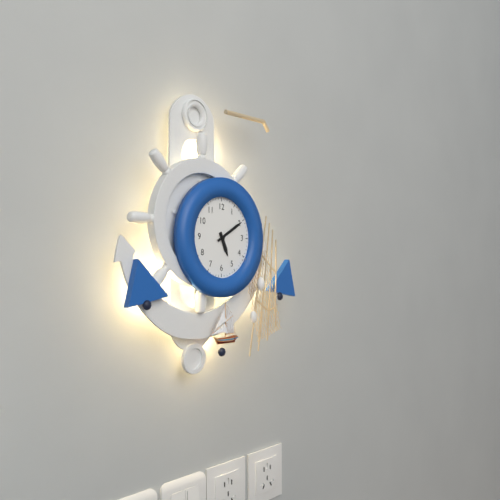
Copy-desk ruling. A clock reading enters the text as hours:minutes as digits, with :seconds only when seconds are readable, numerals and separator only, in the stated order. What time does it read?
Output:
5:10
